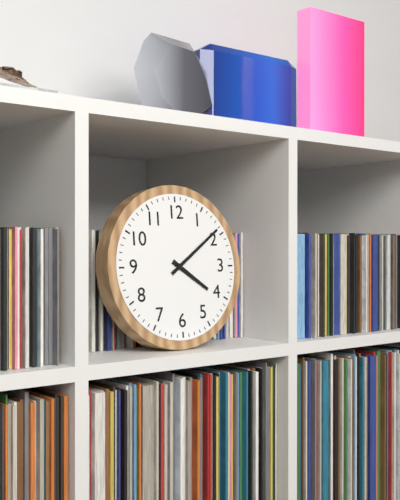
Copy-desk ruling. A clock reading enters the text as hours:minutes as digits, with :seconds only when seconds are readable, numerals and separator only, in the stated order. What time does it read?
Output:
4:09
